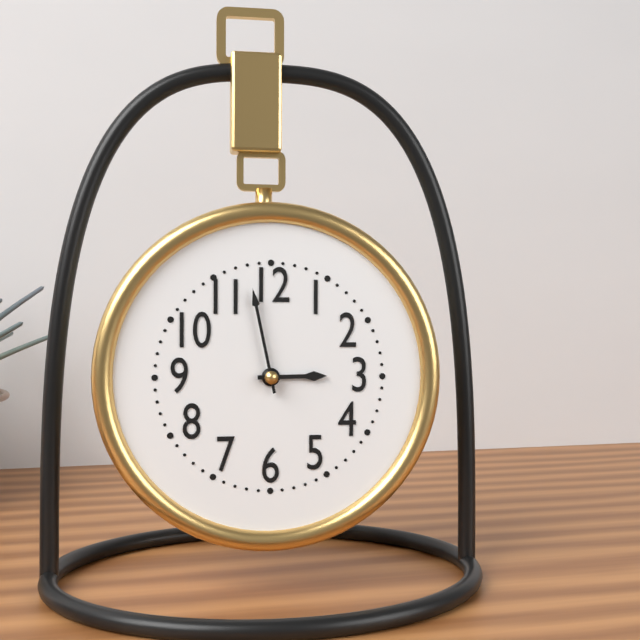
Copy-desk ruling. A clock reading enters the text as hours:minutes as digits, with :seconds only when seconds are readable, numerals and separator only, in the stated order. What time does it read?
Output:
2:58
